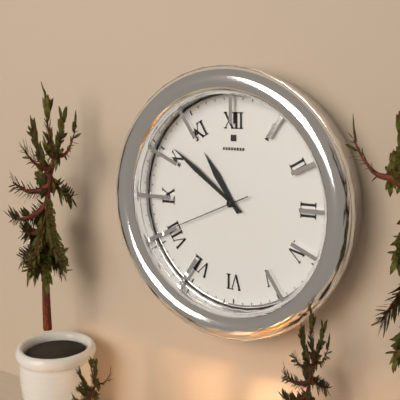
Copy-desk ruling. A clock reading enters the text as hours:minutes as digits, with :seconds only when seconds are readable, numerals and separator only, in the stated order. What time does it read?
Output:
10:51:41
